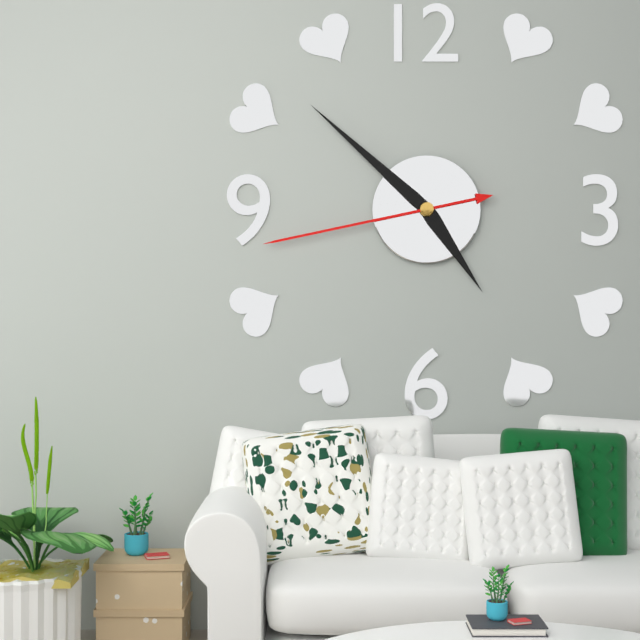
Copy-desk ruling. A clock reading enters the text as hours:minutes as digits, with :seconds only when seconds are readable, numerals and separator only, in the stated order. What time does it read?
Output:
4:52:43
